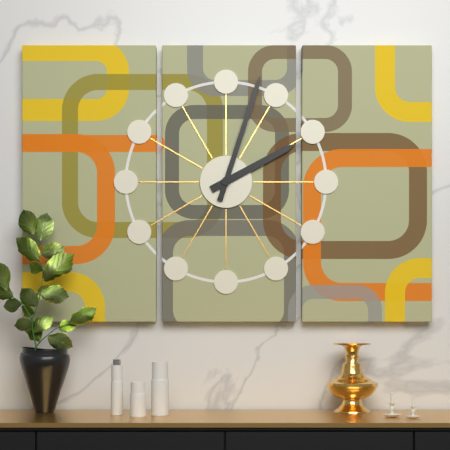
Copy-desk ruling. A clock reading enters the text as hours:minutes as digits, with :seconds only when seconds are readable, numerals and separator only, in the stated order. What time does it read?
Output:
2:03
